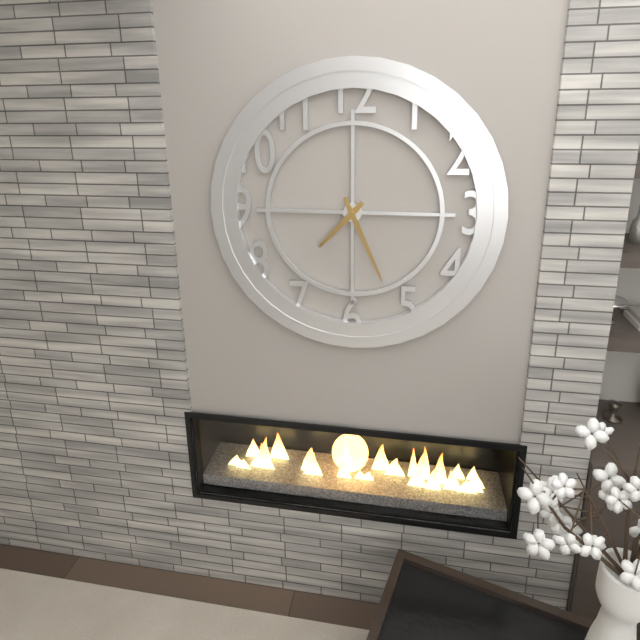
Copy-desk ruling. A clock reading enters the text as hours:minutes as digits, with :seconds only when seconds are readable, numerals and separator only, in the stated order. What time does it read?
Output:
7:26
